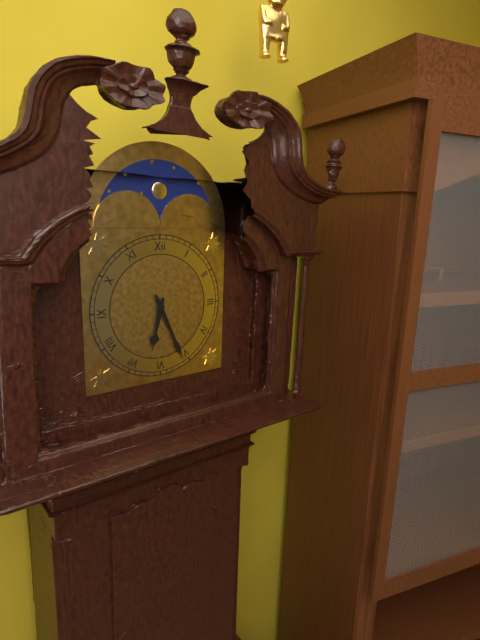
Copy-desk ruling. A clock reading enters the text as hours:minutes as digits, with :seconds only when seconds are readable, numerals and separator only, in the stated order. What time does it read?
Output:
6:26
